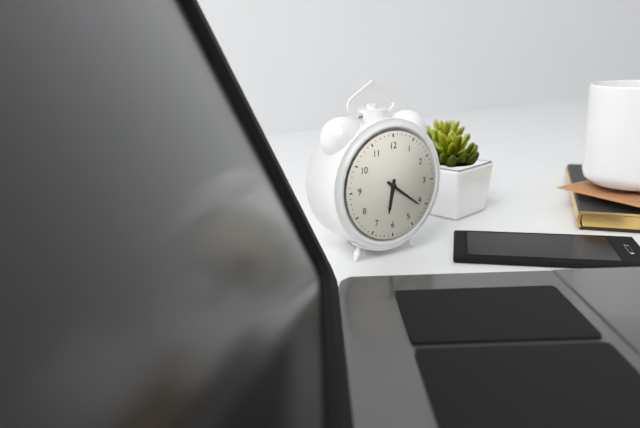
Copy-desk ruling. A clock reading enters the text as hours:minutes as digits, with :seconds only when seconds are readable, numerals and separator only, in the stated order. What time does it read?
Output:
6:21
